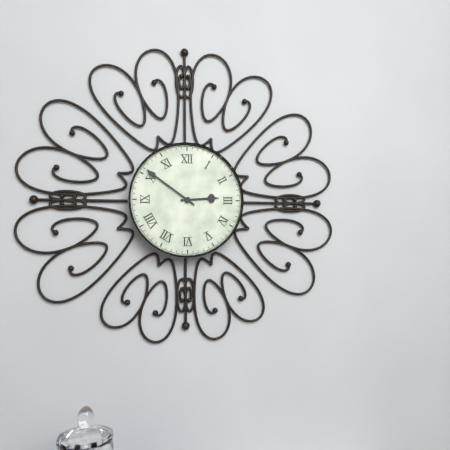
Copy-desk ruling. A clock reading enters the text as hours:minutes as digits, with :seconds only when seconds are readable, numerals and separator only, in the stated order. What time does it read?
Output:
2:51
